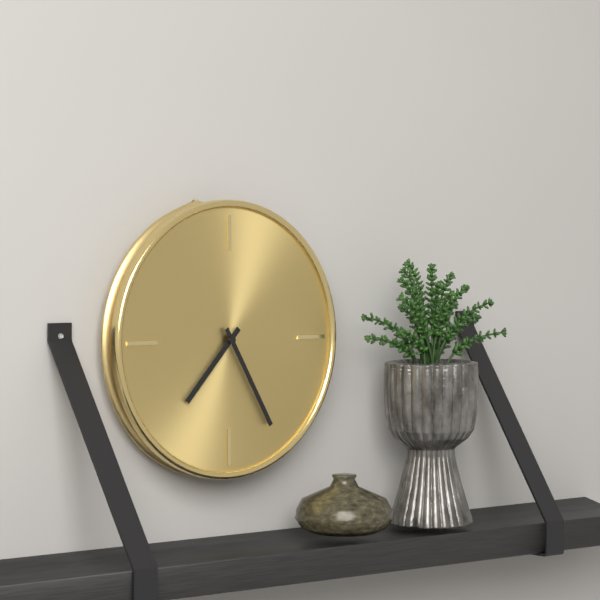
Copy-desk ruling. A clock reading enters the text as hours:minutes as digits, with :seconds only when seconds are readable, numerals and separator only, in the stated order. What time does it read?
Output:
7:25
